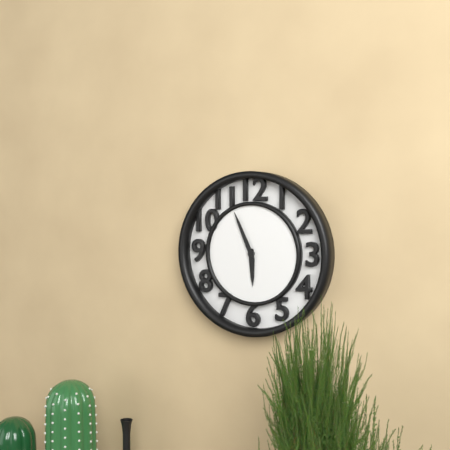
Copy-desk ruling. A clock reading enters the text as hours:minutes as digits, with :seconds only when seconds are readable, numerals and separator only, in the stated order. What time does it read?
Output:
5:56
